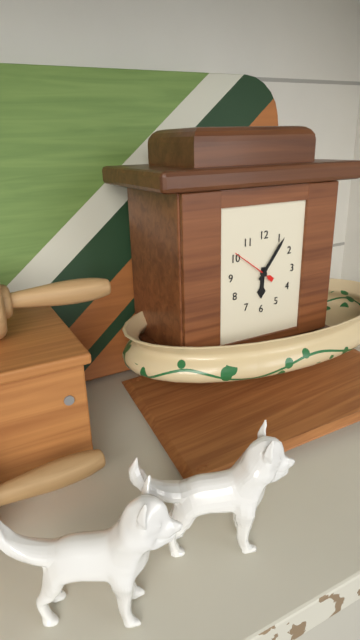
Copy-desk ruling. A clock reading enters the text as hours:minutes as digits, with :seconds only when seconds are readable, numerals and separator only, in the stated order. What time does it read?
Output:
6:06
